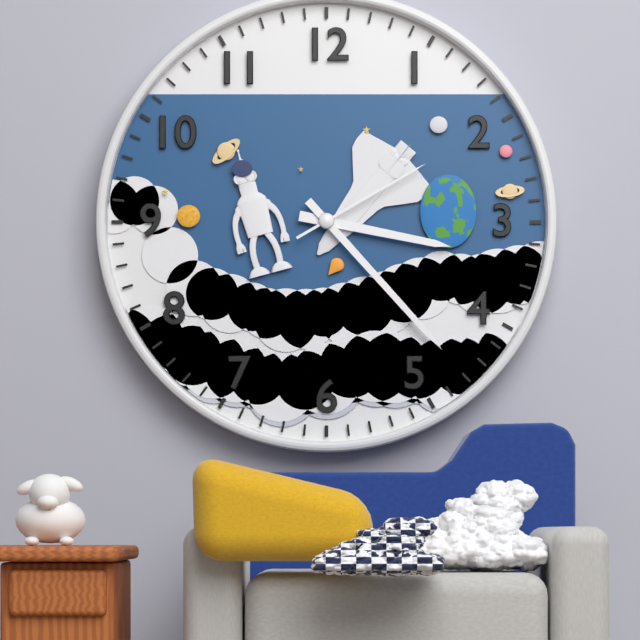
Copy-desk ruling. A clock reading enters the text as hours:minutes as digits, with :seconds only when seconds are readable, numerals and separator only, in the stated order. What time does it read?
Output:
3:23:10
